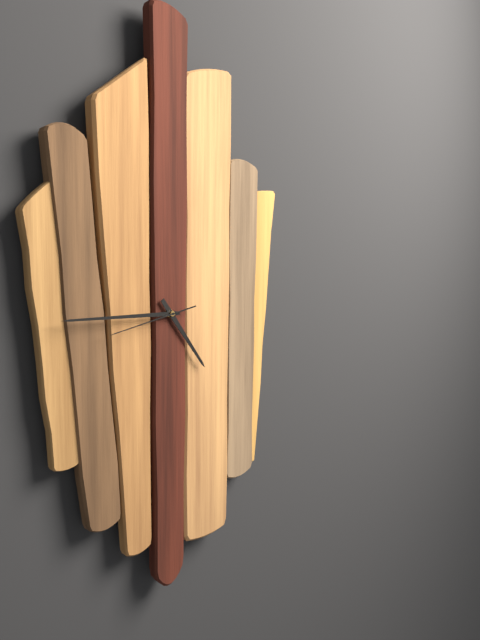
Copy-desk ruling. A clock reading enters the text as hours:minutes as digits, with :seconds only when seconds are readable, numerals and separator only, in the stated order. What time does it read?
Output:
4:45:43
